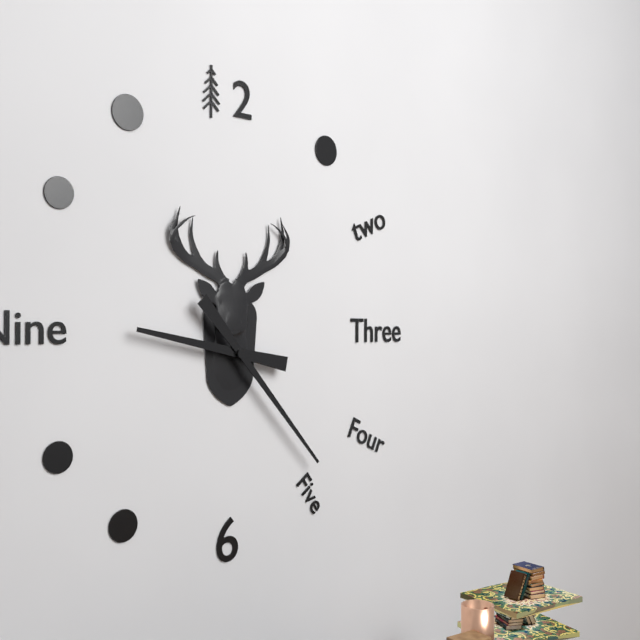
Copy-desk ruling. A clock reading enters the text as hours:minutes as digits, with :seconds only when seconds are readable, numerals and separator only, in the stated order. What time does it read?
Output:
9:23
